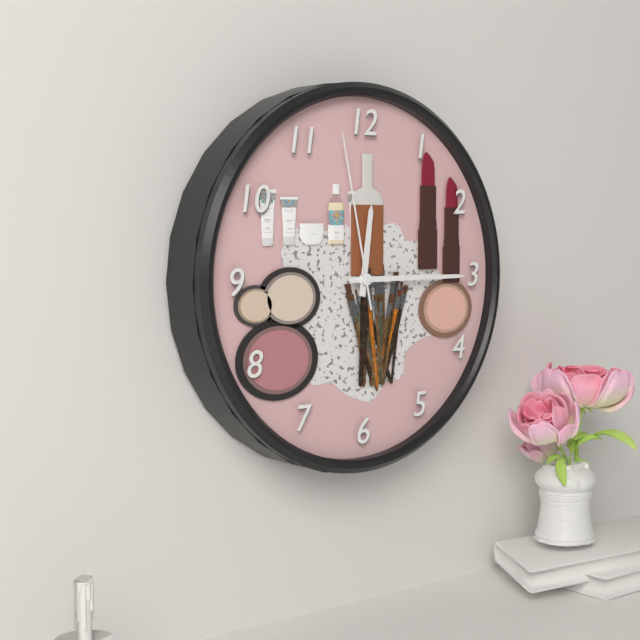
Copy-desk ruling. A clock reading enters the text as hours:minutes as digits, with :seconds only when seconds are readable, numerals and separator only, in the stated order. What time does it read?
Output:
12:15:58
